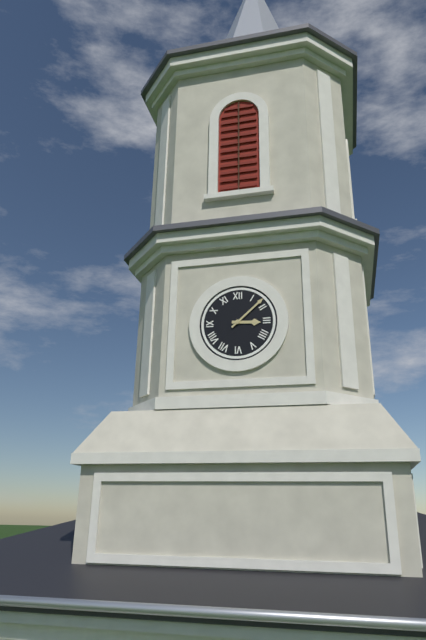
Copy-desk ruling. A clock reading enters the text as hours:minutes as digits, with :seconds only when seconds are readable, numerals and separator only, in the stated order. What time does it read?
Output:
3:08
